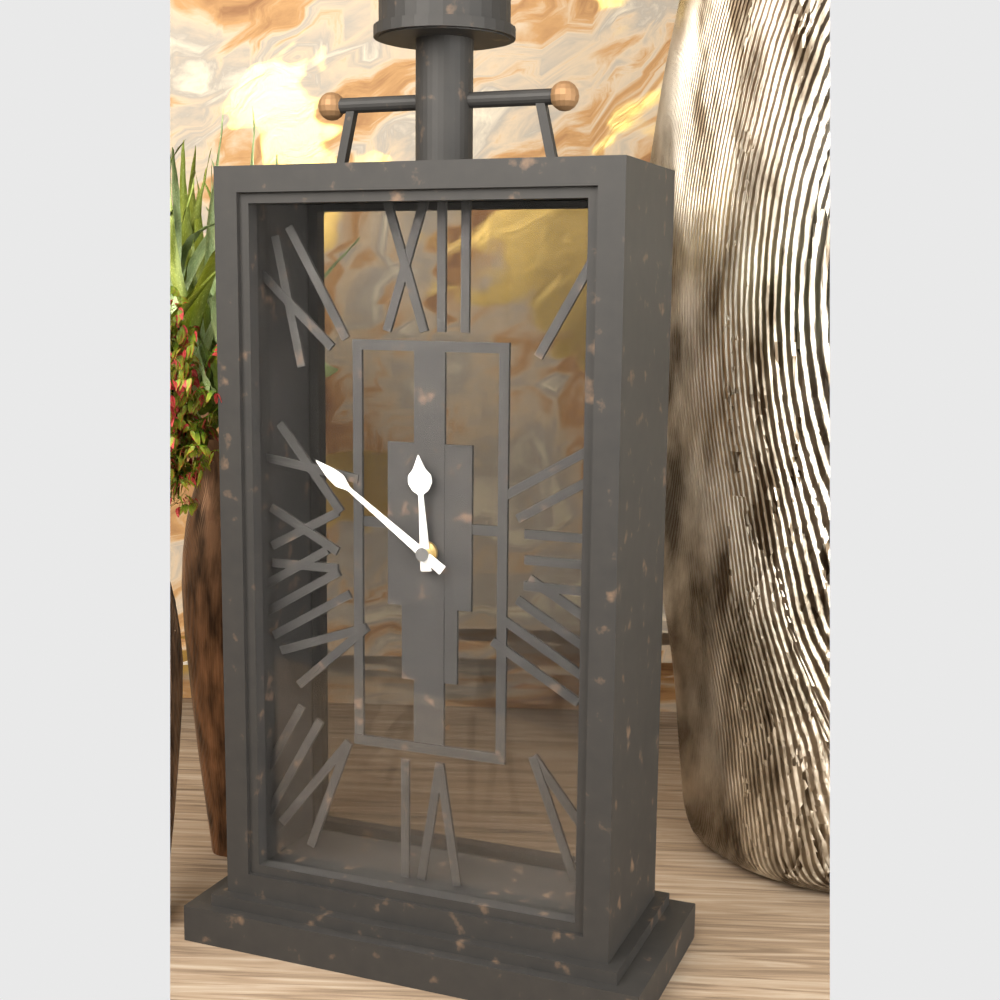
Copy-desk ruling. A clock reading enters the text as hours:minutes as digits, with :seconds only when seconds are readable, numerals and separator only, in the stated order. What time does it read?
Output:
11:51
